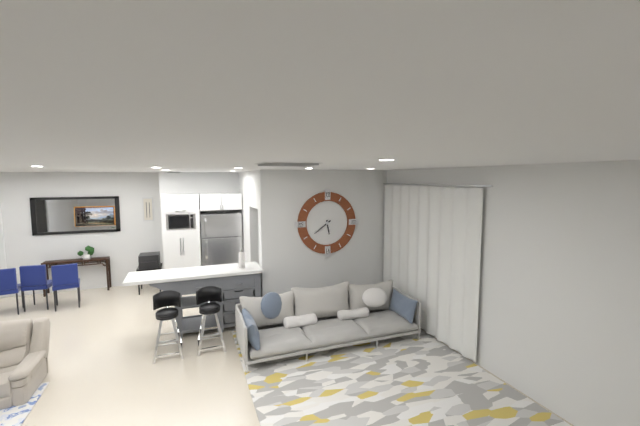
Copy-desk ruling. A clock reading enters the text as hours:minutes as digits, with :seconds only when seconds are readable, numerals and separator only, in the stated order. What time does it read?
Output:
5:39
